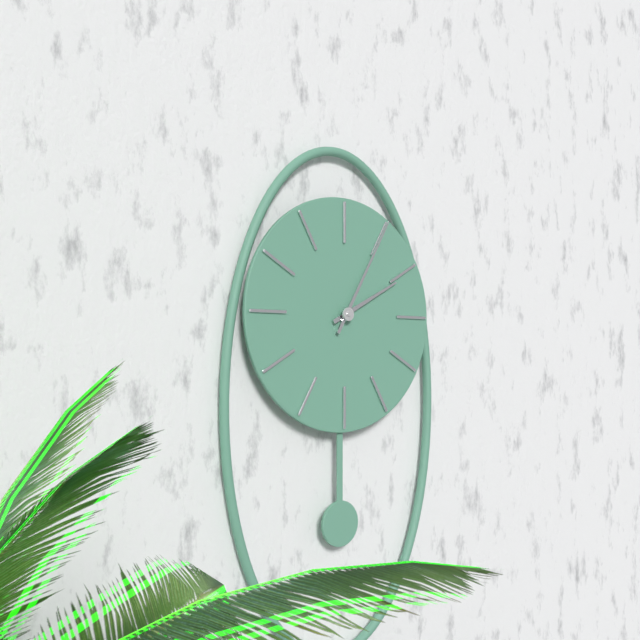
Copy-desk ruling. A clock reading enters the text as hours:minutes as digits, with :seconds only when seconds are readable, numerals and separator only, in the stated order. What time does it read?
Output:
2:05
